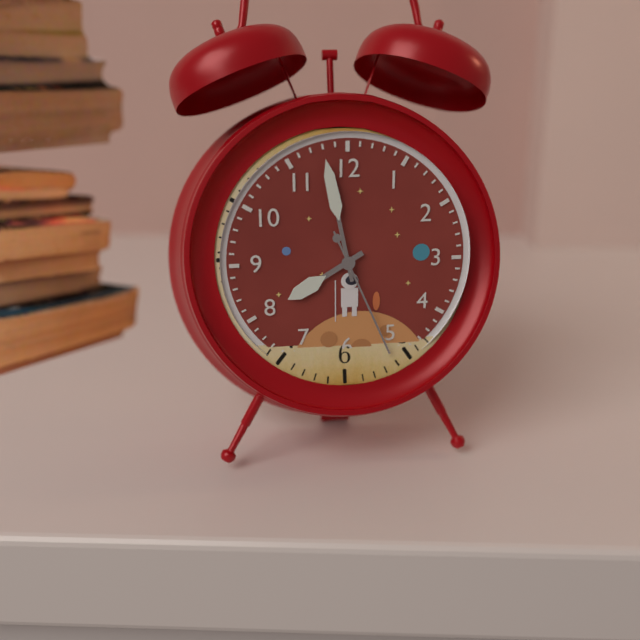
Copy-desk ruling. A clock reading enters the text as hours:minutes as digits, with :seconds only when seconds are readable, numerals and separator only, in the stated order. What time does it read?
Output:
7:58:26
